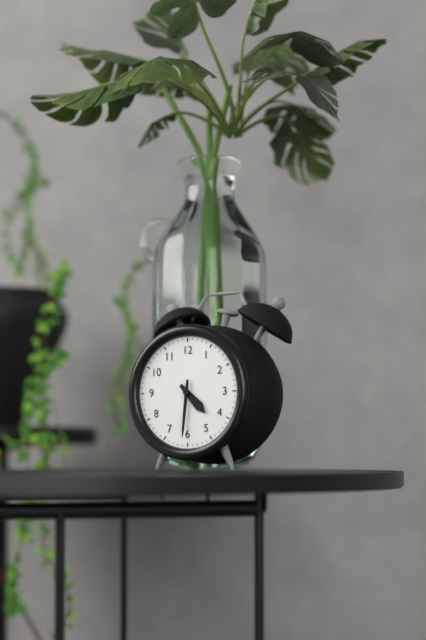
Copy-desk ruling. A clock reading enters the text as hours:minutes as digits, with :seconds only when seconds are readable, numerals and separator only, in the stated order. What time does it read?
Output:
4:31
